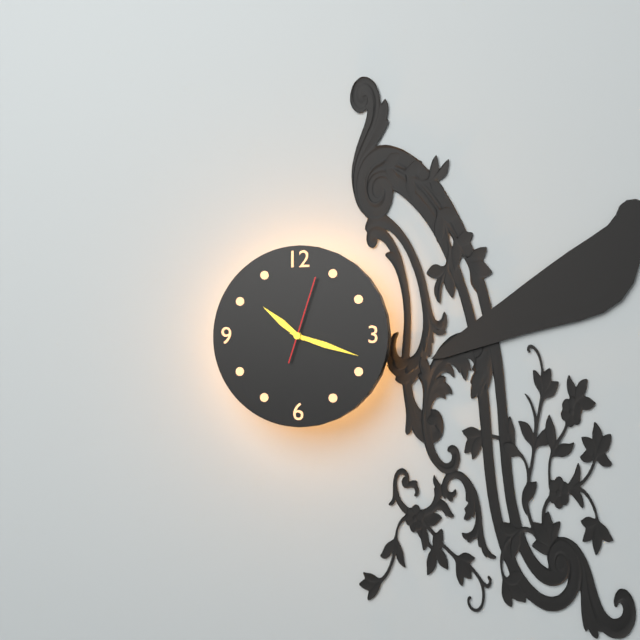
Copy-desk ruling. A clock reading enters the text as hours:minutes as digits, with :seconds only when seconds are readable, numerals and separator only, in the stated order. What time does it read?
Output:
10:18:03
